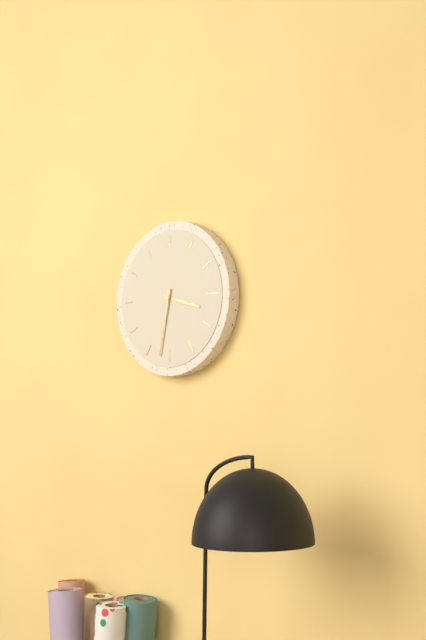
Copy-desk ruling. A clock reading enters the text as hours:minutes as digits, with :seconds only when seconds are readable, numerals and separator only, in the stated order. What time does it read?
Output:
3:32
